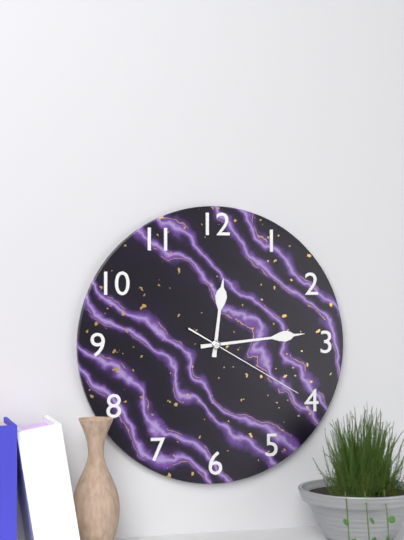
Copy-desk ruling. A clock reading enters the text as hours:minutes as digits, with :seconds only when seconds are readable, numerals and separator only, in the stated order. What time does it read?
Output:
12:14:20
